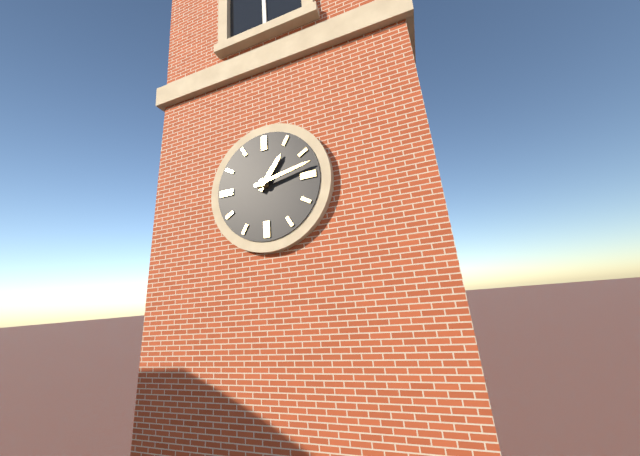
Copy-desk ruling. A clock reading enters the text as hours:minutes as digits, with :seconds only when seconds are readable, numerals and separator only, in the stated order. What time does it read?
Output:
1:13
